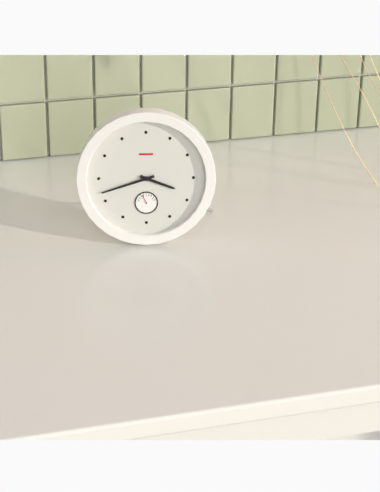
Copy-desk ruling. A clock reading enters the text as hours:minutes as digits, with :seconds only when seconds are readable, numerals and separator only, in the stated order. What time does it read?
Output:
3:42
